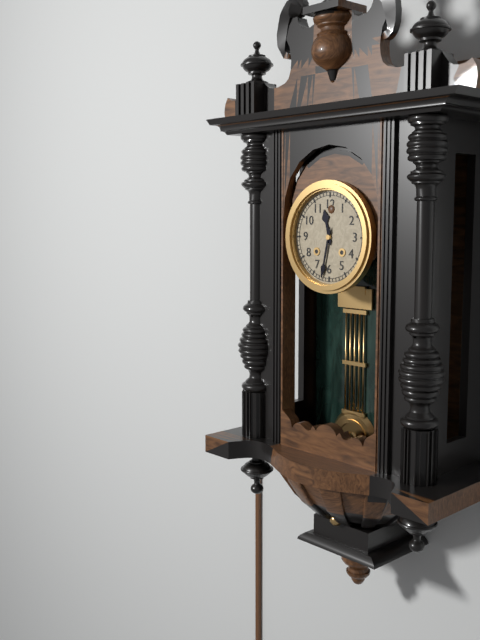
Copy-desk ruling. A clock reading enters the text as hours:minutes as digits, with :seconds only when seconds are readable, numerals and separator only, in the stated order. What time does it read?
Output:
11:32
